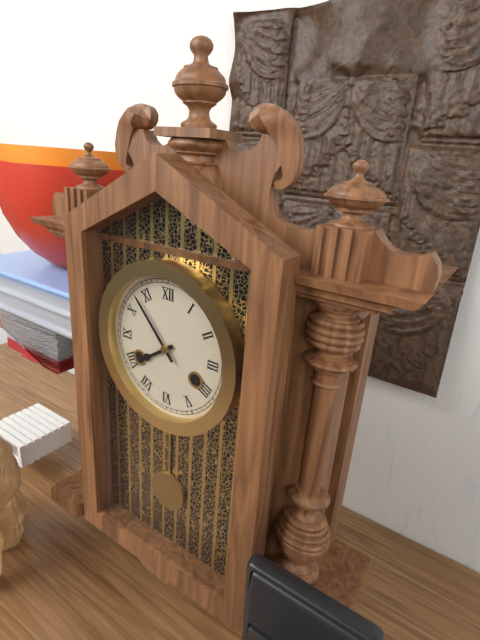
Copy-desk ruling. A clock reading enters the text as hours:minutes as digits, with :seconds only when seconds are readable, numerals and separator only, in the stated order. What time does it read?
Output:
7:53
